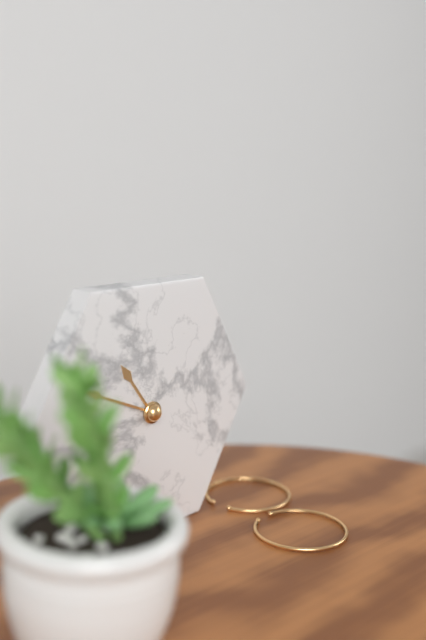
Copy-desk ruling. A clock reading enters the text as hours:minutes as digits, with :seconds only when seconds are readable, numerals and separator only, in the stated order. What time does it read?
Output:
10:49
